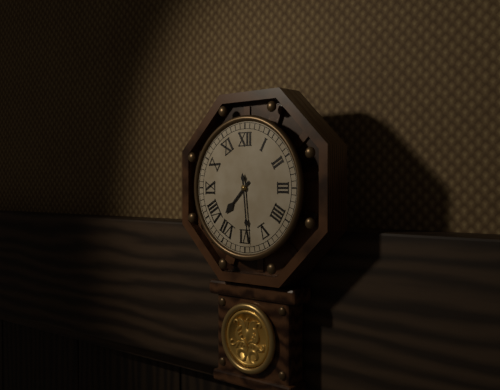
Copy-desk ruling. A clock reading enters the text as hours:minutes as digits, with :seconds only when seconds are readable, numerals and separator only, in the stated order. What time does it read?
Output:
7:29
